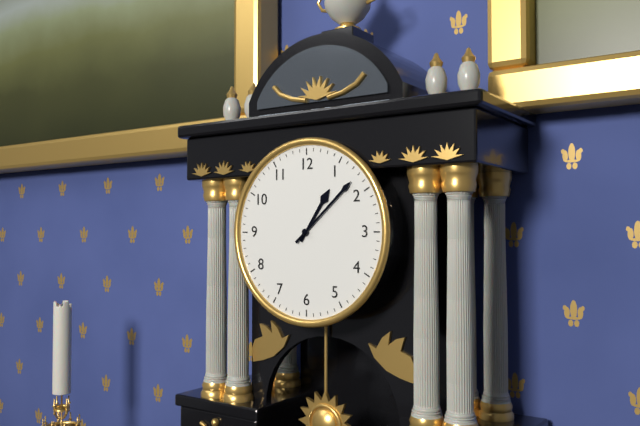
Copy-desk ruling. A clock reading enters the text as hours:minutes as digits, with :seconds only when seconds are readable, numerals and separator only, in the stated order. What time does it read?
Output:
1:08
